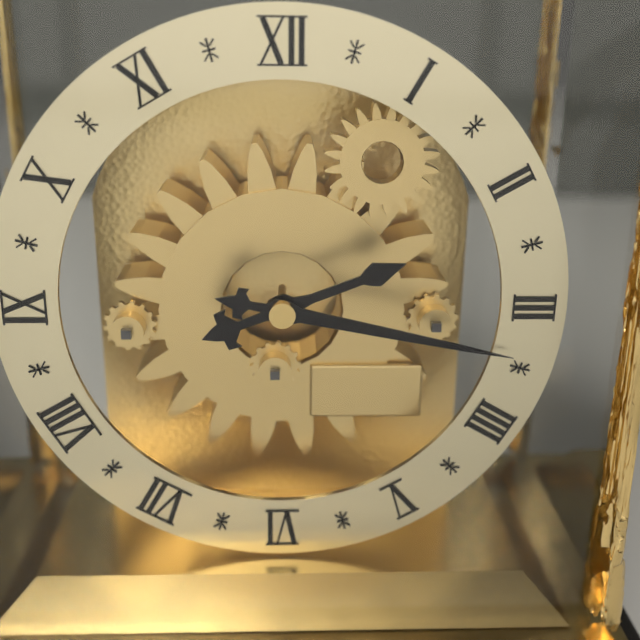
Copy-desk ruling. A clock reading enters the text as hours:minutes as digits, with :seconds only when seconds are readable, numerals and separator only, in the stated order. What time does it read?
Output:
2:17
